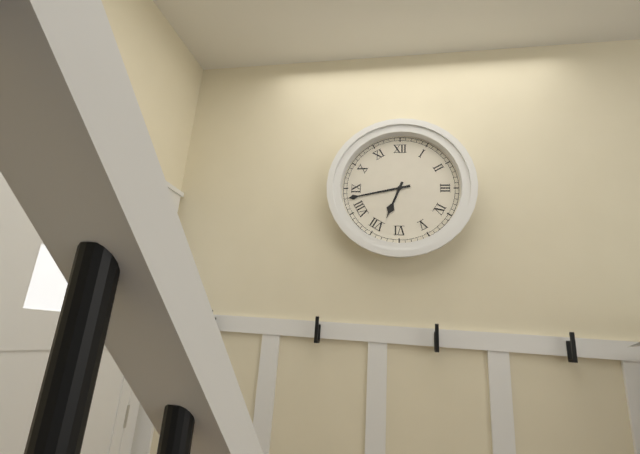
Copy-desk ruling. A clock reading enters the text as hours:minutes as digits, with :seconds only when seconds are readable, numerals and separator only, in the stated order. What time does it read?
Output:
6:43
